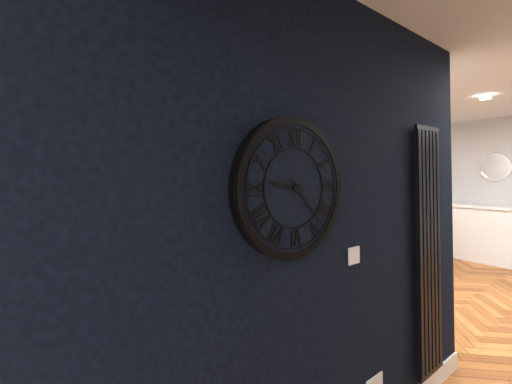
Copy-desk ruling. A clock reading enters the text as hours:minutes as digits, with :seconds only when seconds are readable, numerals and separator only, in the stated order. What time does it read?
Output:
9:23
